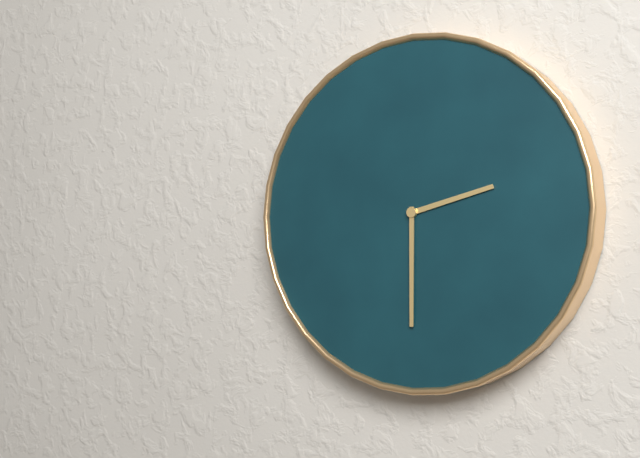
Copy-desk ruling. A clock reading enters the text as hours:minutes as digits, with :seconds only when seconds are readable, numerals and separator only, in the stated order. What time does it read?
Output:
2:30
